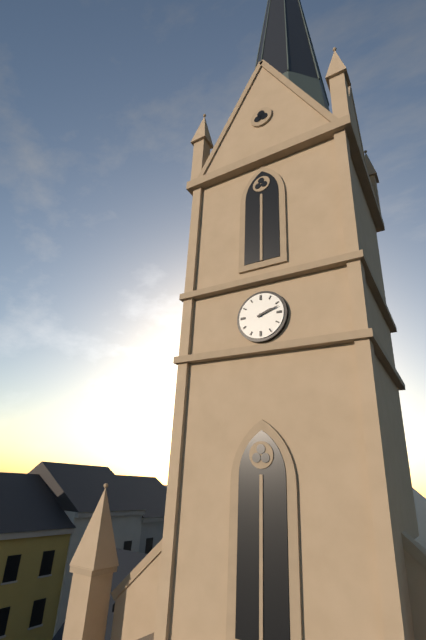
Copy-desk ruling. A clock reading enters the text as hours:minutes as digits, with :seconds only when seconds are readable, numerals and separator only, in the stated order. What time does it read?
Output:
2:12
